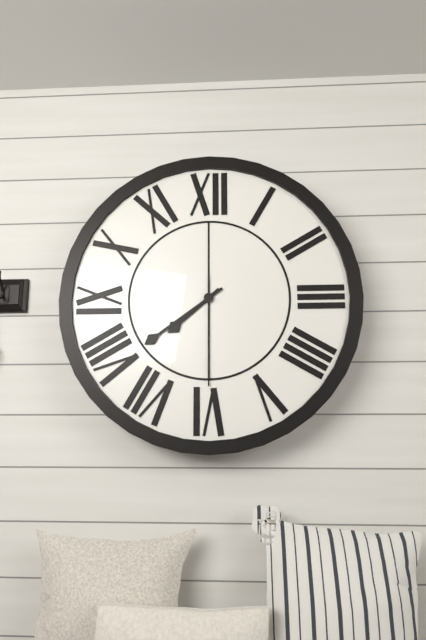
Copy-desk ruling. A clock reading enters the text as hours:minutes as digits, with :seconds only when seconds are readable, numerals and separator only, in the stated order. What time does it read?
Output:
7:39:30
